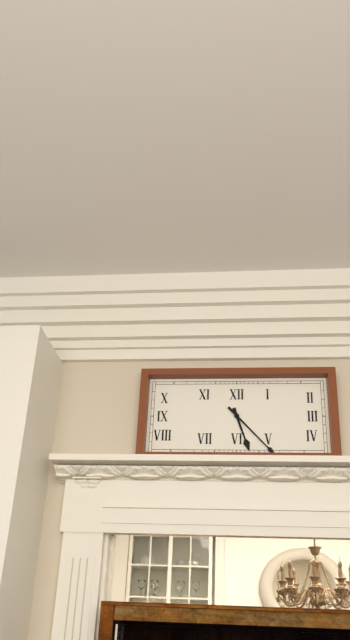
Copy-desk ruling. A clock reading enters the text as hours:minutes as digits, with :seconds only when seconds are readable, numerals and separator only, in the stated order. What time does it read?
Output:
5:23
